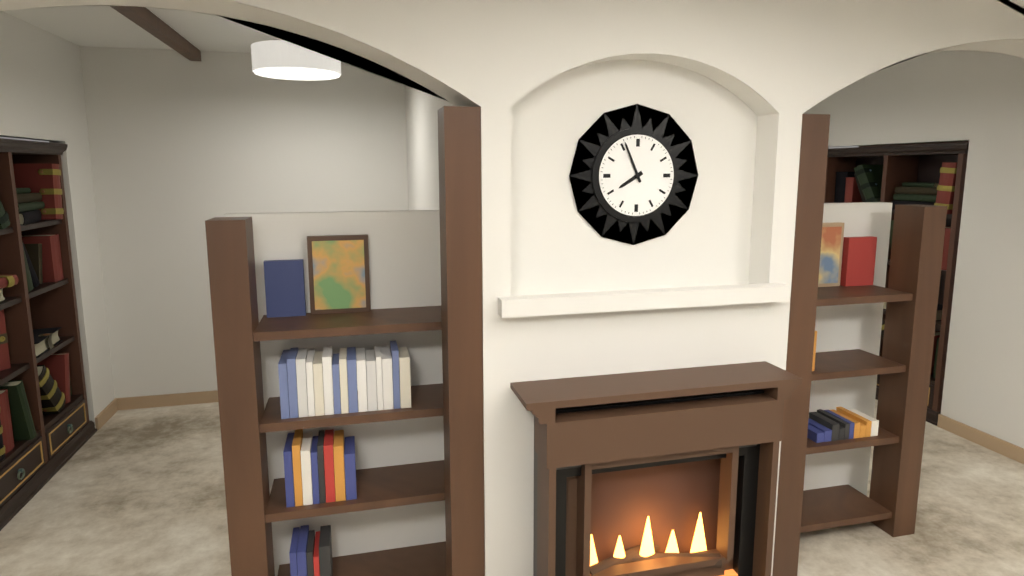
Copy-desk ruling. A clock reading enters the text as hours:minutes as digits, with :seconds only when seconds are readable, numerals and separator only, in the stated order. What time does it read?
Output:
7:56
